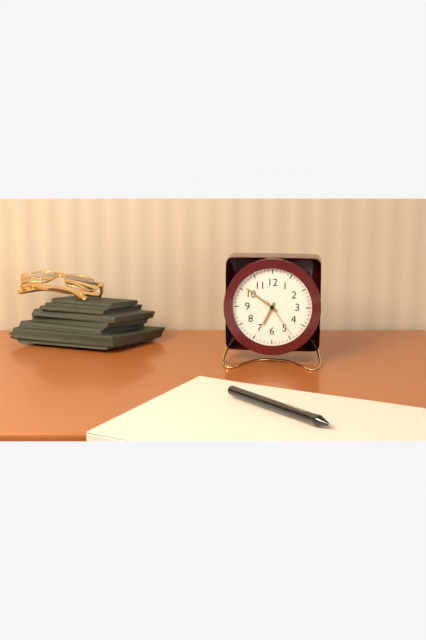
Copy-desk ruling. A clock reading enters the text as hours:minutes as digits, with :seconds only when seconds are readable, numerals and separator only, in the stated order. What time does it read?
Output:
6:51
